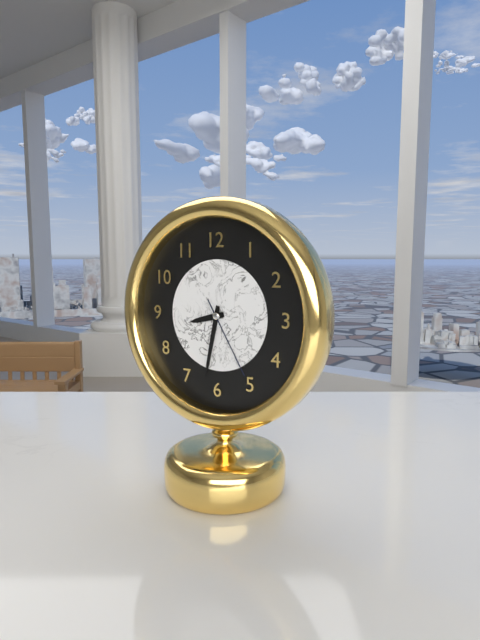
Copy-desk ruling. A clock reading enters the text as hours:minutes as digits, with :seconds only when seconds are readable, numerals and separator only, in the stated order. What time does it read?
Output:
8:32:25
